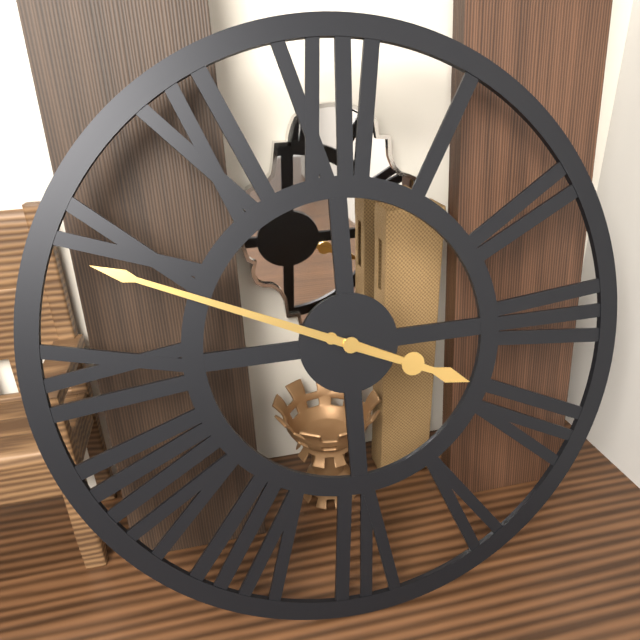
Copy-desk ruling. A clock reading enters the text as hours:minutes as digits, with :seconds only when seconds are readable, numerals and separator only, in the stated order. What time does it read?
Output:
3:49
